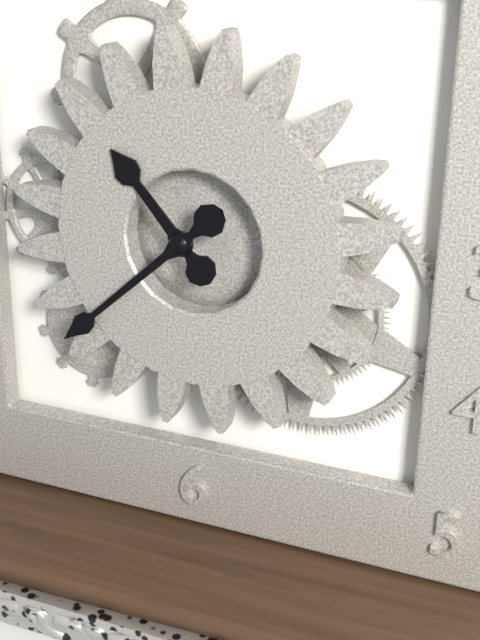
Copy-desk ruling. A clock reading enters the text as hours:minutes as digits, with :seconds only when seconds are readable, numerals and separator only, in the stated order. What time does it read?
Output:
10:38
